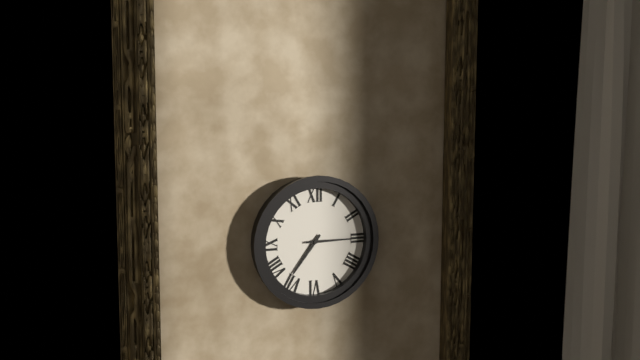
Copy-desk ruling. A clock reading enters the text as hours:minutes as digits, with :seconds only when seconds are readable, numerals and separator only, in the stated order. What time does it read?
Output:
7:15
